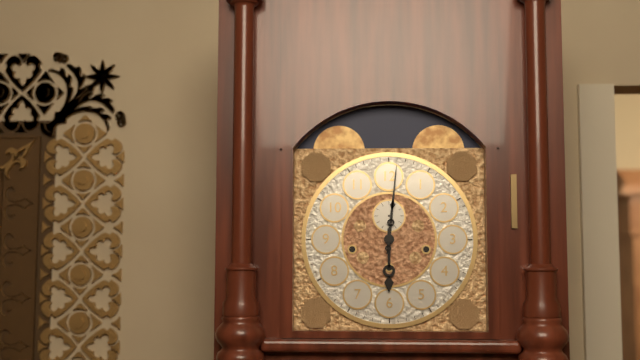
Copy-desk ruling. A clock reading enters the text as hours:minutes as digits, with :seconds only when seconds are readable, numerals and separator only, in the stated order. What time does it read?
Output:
6:01
